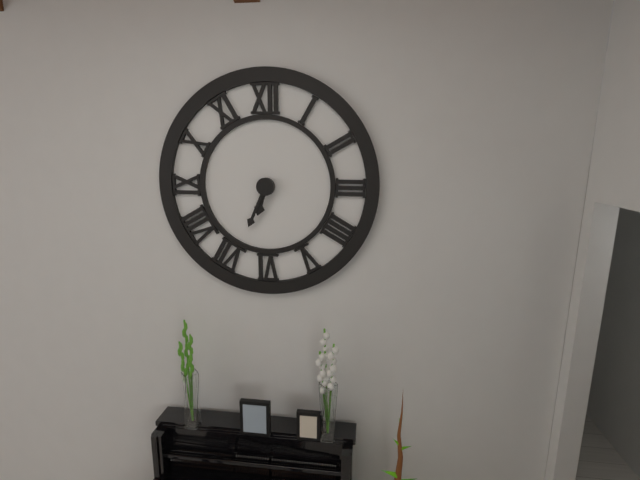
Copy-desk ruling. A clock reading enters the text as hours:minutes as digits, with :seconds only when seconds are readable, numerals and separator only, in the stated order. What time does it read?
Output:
6:34
